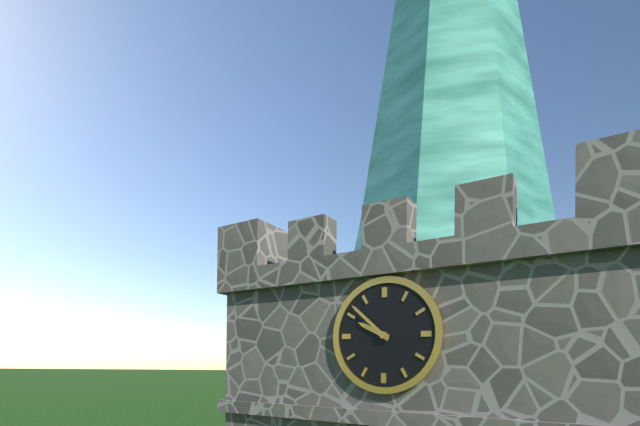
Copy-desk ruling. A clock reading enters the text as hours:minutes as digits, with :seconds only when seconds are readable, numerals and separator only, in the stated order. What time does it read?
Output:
9:52
